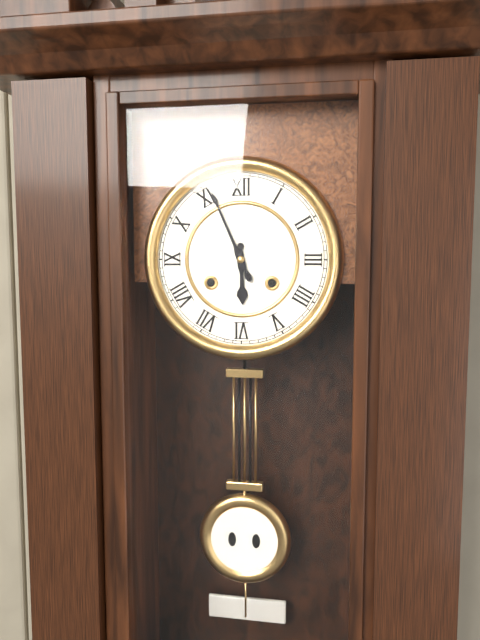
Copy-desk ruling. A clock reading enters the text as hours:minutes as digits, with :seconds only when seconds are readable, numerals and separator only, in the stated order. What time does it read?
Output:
5:56
